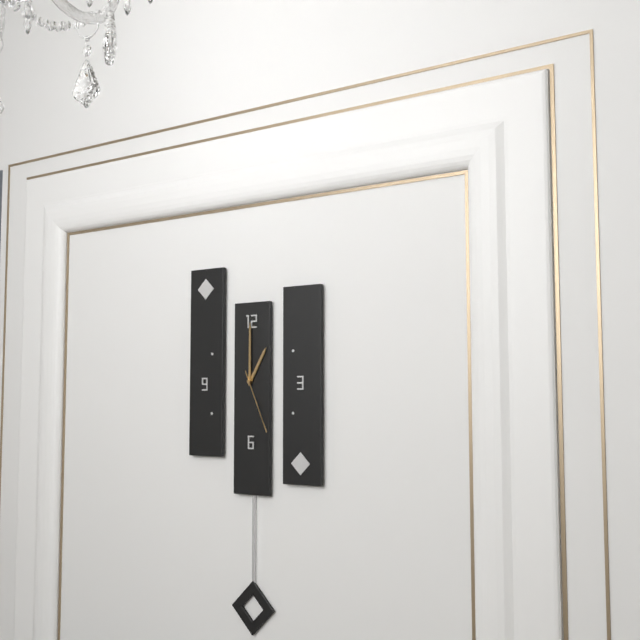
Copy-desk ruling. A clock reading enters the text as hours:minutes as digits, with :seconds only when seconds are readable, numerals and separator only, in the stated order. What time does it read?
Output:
1:00:26
